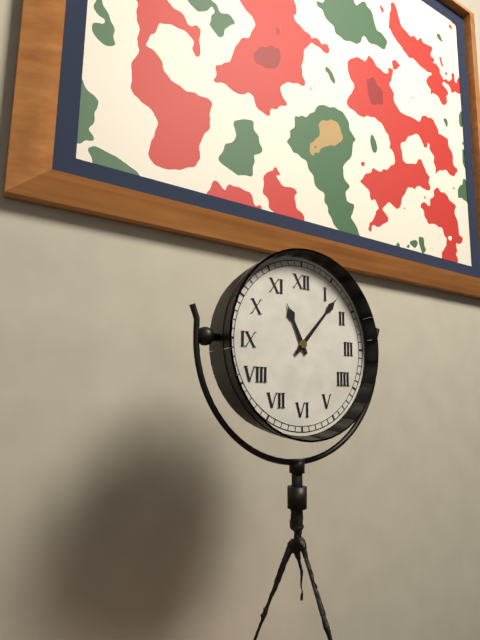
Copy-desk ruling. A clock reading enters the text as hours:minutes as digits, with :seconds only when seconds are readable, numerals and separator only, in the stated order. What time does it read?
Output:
11:07
